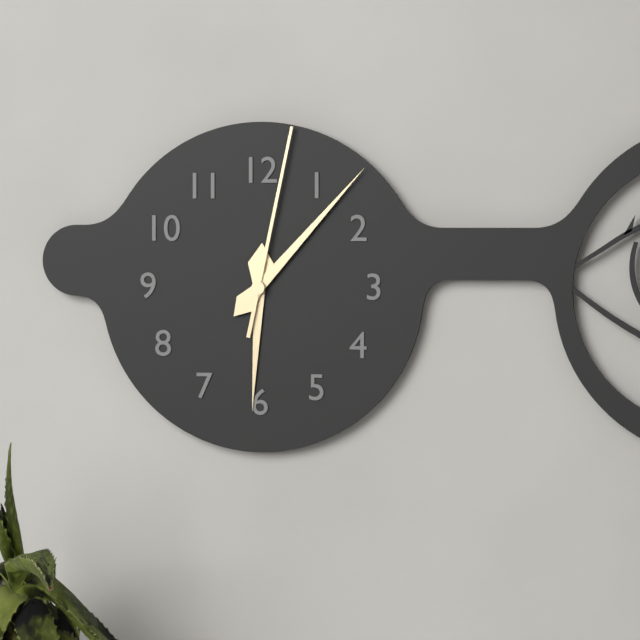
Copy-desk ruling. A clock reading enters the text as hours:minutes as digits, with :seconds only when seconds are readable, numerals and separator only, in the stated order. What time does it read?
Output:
6:07:02
